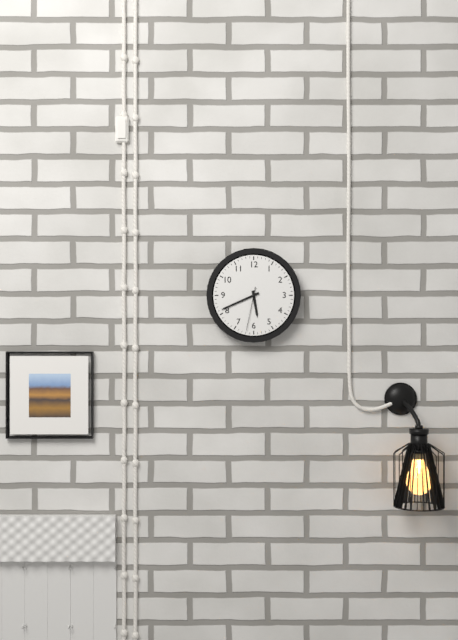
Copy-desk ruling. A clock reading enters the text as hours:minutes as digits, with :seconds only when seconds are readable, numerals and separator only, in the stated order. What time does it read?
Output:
5:41
